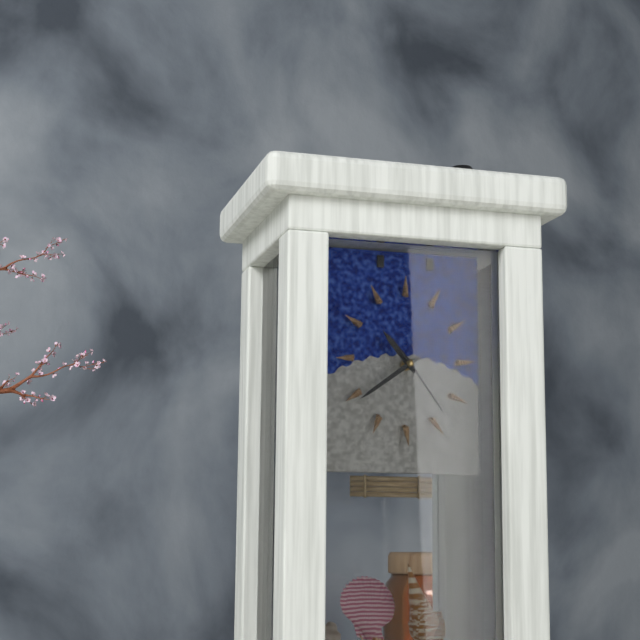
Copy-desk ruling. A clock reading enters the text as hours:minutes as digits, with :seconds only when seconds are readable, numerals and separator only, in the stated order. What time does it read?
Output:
10:39:24
